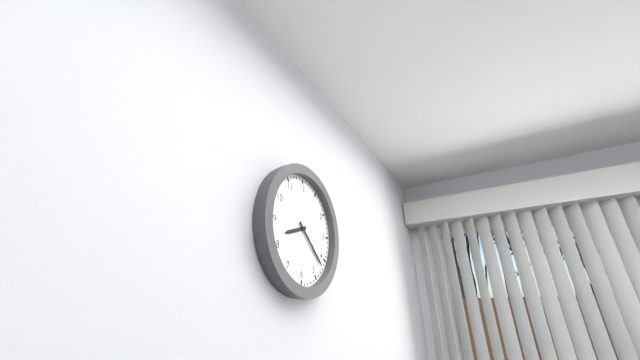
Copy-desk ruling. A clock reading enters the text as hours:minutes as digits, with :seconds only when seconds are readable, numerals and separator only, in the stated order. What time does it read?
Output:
8:22
